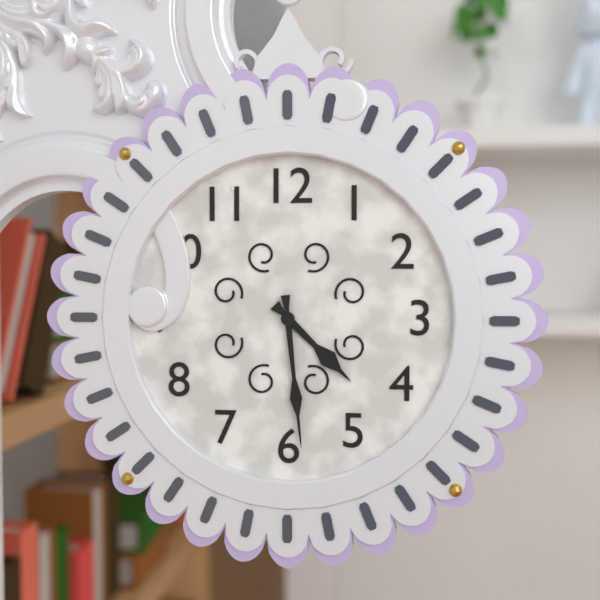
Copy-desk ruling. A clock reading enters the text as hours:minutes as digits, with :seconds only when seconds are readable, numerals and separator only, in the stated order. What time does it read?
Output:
4:29
